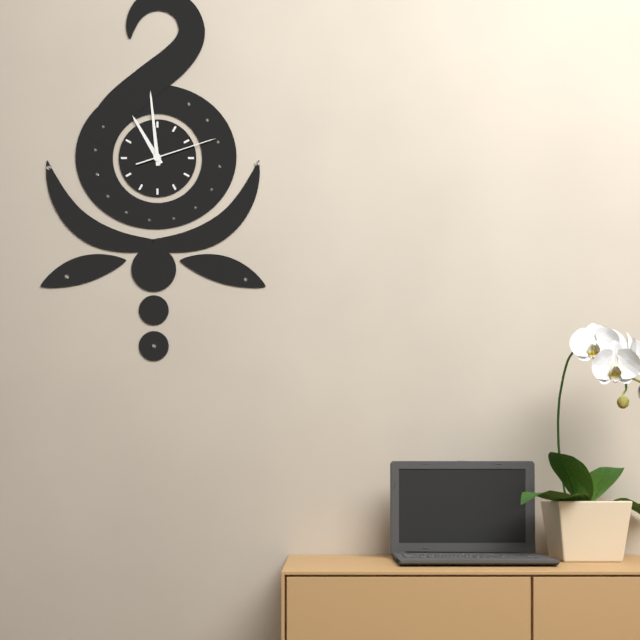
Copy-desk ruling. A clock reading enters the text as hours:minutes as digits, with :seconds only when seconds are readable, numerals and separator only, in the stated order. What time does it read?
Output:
10:59:12
